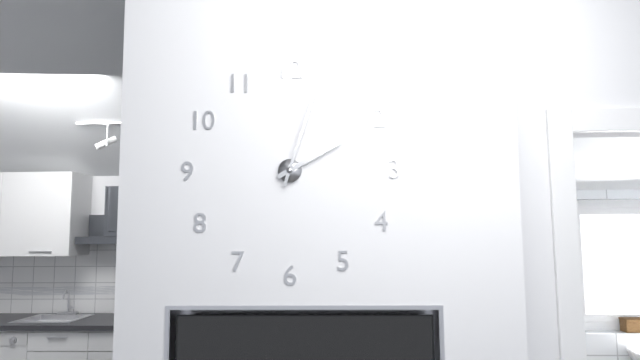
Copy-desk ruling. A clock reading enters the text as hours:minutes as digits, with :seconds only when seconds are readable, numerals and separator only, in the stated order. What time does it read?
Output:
2:03
